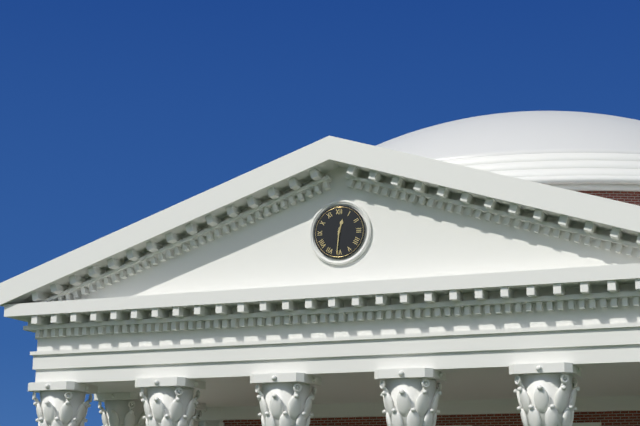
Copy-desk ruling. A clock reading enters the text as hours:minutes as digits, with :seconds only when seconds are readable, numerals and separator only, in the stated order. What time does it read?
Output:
12:31
